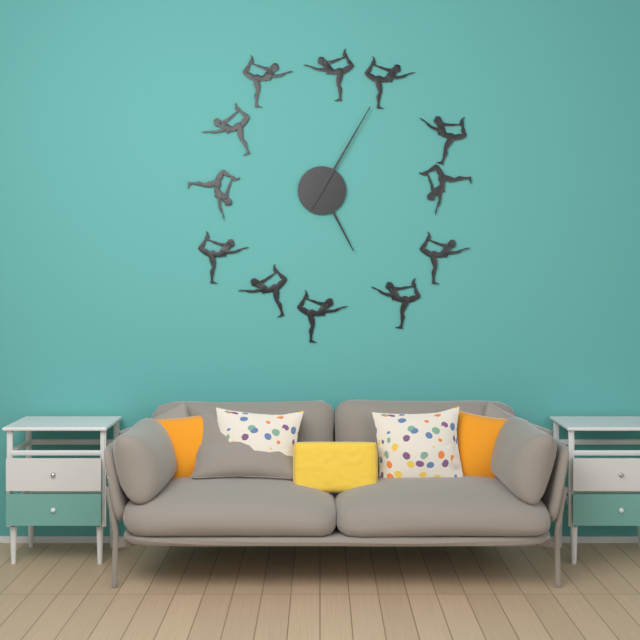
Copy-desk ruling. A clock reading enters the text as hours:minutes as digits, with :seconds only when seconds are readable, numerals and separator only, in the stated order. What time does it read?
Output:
5:05
